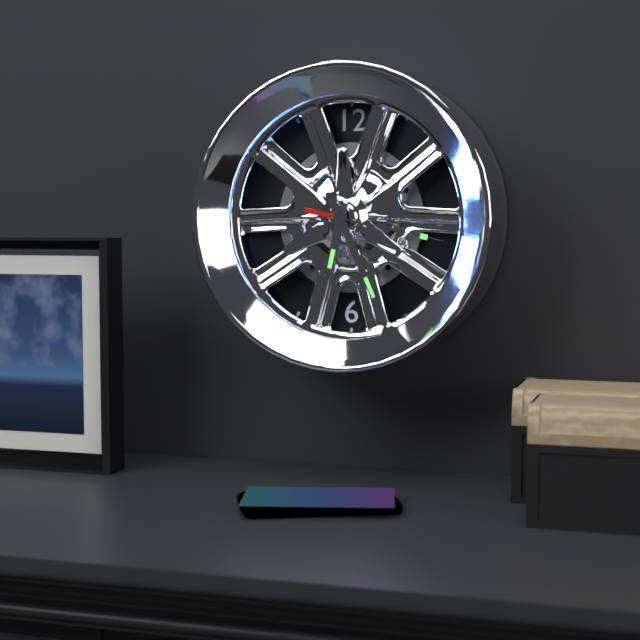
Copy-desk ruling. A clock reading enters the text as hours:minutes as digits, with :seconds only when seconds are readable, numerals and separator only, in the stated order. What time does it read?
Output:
6:26:17
